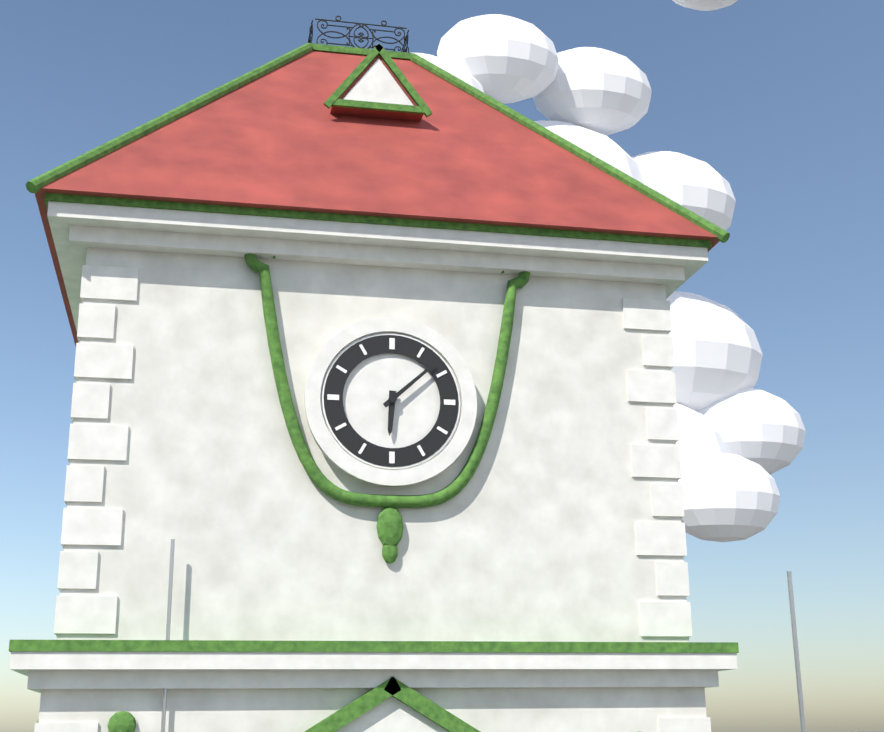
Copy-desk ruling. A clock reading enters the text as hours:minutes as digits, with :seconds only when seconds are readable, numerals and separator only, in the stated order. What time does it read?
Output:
6:08
